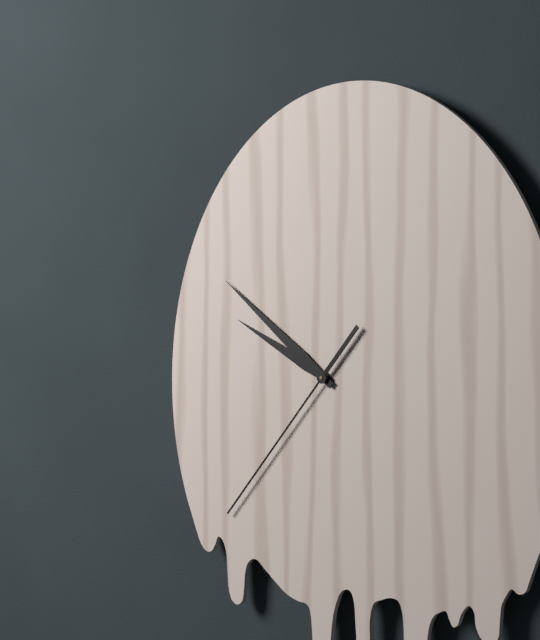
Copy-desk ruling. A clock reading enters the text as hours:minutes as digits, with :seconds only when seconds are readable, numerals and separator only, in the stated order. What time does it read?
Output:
9:51:37
